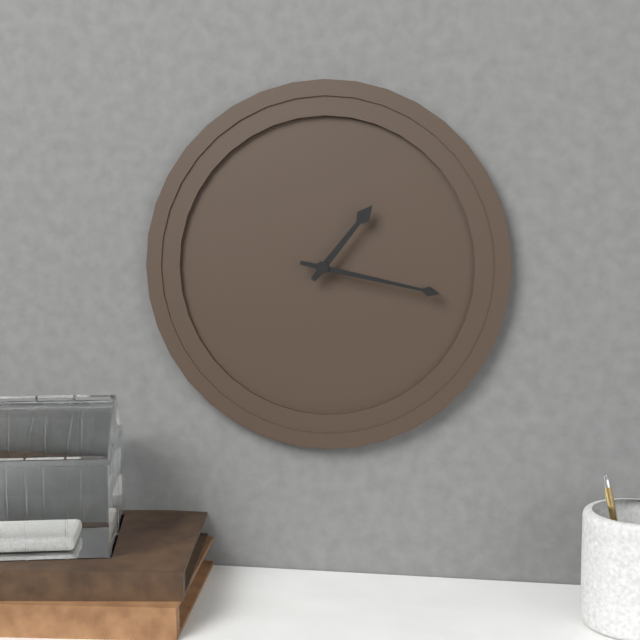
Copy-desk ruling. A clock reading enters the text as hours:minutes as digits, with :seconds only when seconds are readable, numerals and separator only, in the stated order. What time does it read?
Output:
1:17
